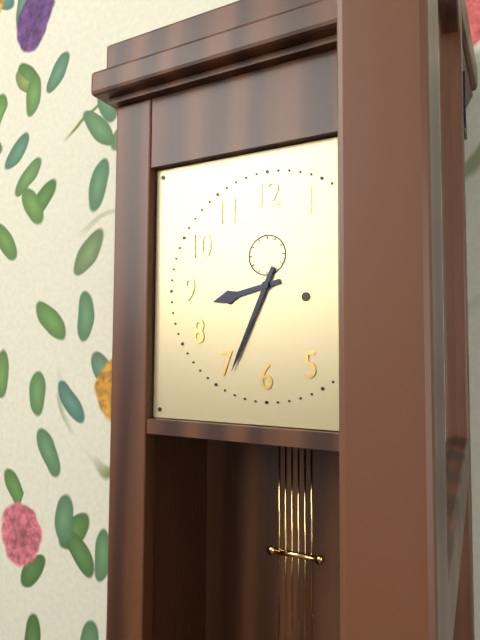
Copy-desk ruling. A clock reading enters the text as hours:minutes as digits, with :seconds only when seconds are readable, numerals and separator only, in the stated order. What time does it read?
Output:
8:34
